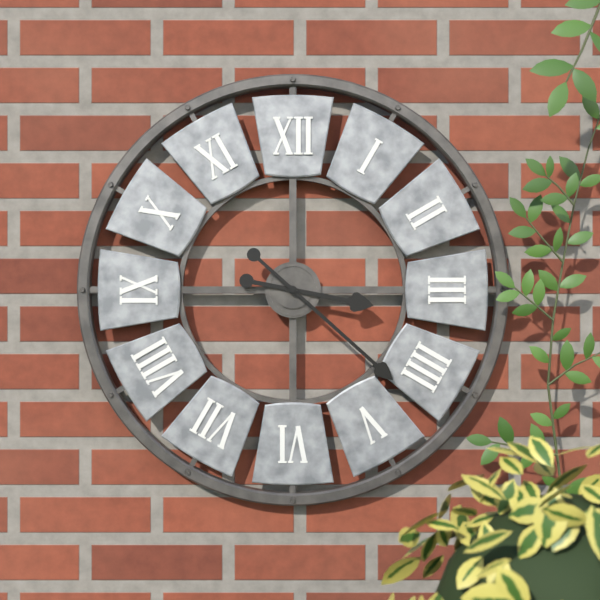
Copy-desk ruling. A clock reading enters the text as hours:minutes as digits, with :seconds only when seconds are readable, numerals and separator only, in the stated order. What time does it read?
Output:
3:22
